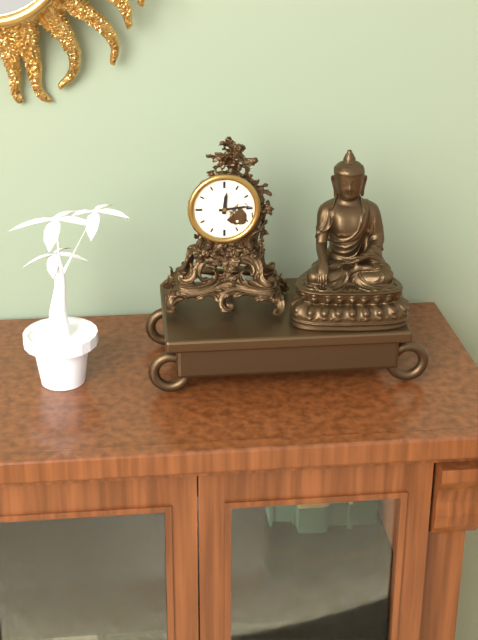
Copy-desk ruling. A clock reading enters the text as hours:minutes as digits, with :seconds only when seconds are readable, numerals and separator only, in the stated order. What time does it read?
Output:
12:14
